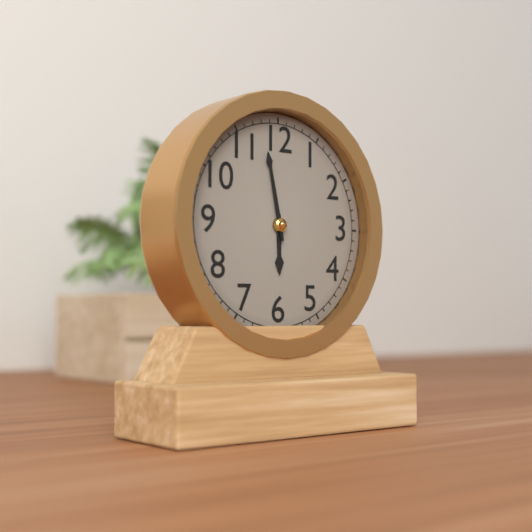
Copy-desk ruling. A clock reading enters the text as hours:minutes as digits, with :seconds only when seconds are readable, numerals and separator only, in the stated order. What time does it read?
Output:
5:58
